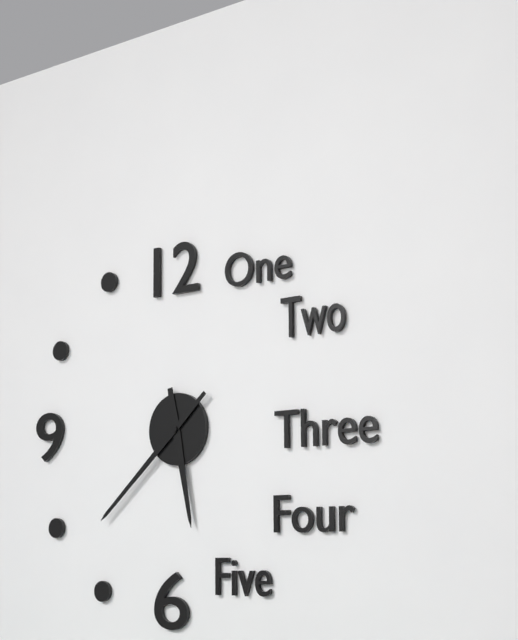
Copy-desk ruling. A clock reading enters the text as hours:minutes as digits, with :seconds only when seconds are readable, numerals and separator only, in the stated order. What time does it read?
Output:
5:38
